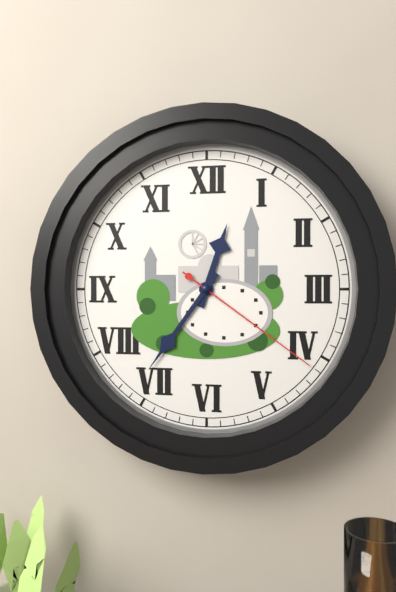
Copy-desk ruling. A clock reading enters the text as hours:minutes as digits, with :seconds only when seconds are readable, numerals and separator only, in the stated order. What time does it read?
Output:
12:36:21
